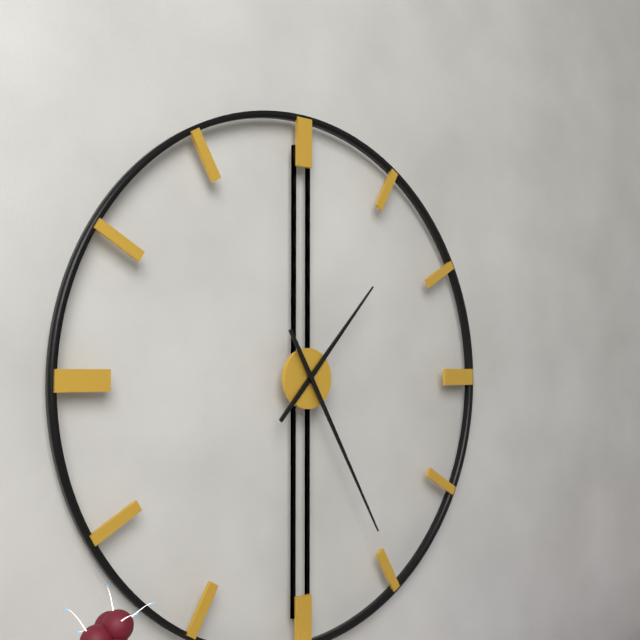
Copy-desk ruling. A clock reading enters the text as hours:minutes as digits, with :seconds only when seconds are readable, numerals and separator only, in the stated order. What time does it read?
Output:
1:25
